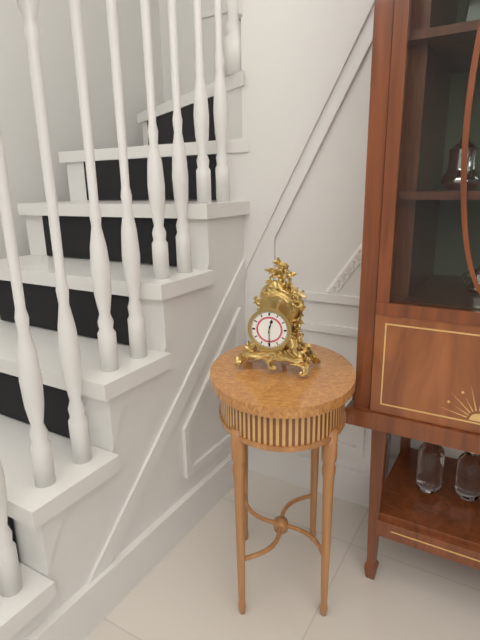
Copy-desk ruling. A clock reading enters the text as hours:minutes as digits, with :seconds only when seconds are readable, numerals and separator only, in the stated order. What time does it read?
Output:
12:30
